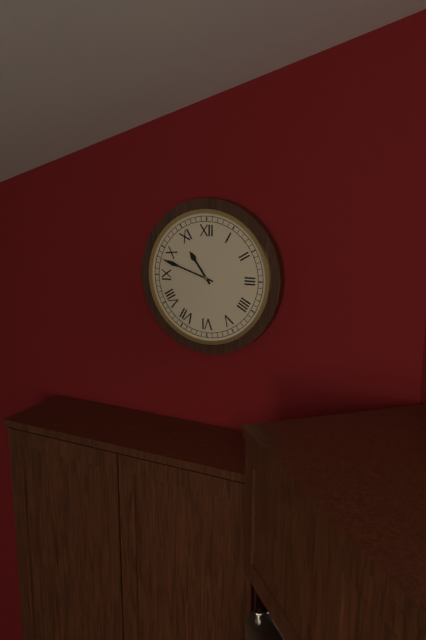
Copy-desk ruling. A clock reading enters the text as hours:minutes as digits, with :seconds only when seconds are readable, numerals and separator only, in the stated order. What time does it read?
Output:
10:48
